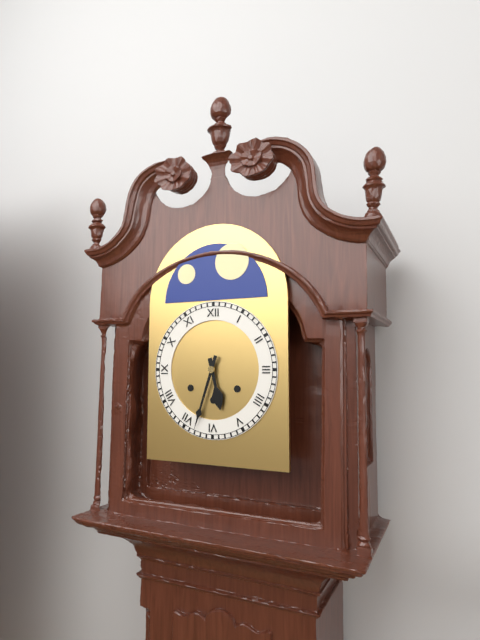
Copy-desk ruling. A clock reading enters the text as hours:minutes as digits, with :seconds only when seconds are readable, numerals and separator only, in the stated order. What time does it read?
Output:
5:33
